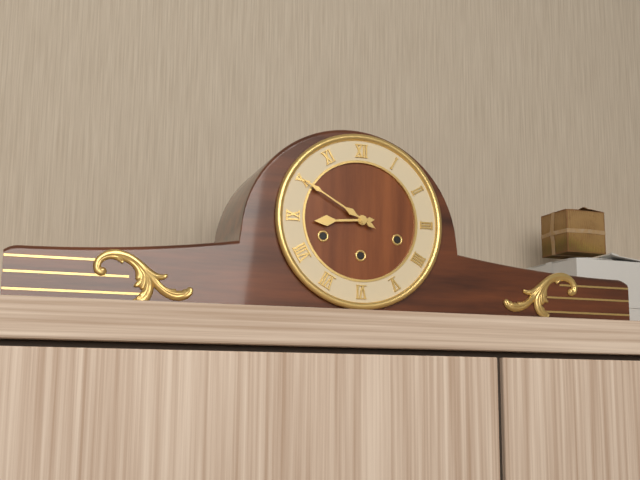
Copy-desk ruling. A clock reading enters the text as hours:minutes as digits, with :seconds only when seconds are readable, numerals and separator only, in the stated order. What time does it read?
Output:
8:50
